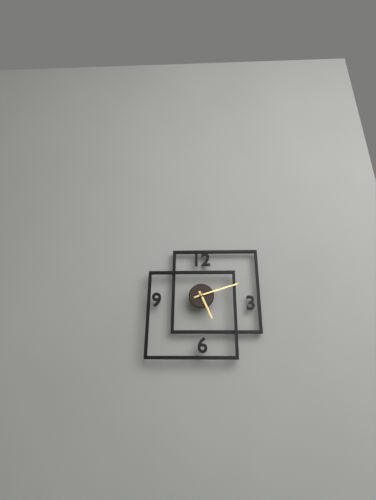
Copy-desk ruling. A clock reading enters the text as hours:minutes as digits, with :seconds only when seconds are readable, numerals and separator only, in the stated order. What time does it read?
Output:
5:12
